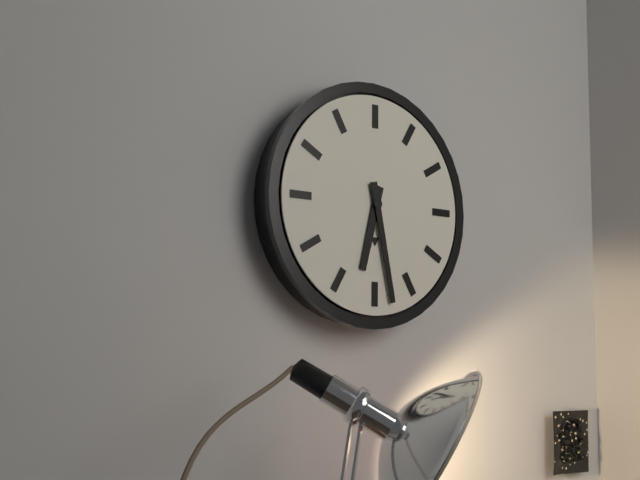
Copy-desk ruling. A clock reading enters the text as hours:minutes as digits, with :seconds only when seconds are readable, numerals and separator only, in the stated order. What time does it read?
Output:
6:28
